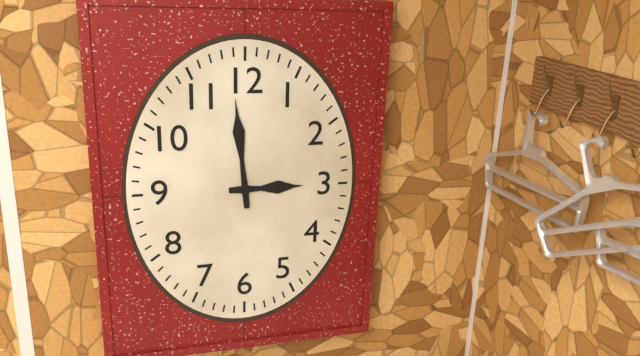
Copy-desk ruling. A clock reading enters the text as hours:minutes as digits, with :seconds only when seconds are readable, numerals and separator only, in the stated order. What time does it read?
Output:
2:59
